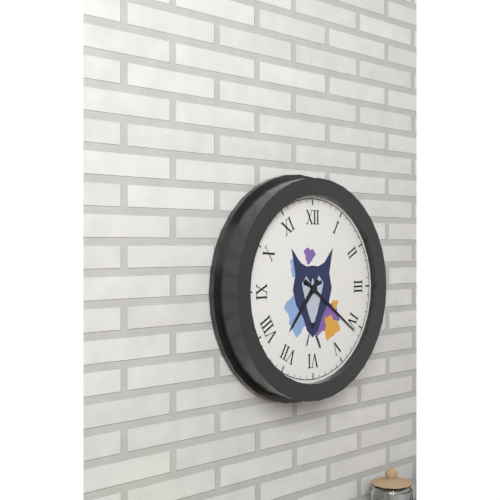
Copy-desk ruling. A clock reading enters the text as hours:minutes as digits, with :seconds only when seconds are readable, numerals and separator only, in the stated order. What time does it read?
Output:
7:21
